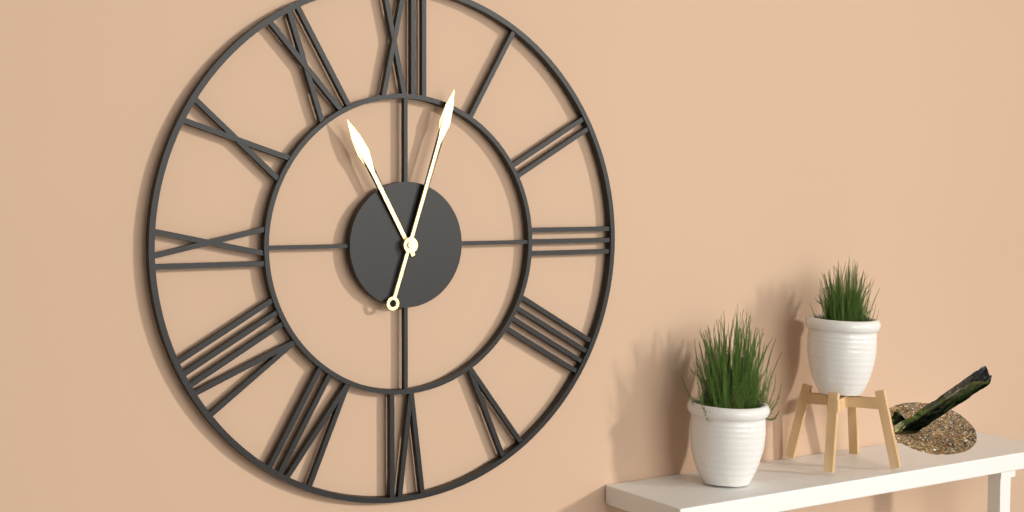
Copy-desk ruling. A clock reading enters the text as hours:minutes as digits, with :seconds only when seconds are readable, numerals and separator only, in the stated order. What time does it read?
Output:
11:03
